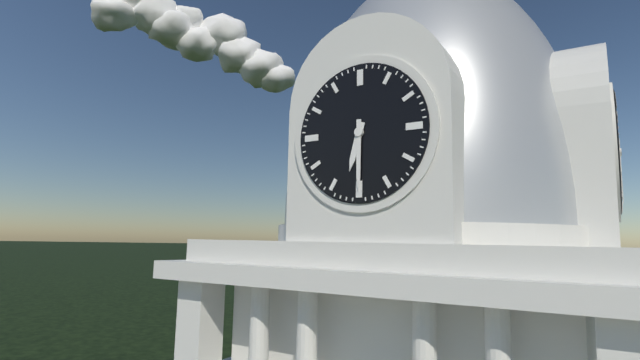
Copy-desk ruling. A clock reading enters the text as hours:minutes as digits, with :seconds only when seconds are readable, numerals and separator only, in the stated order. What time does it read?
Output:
6:30
